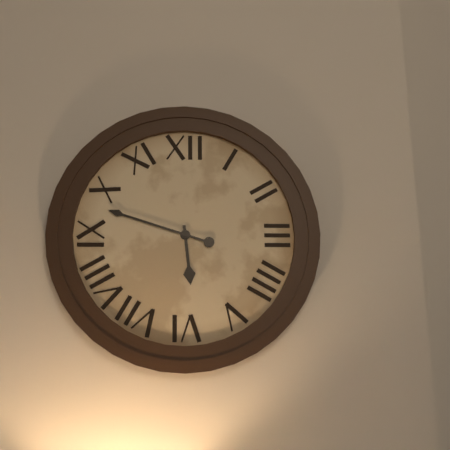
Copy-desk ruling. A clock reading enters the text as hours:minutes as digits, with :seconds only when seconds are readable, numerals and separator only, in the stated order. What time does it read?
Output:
5:48
